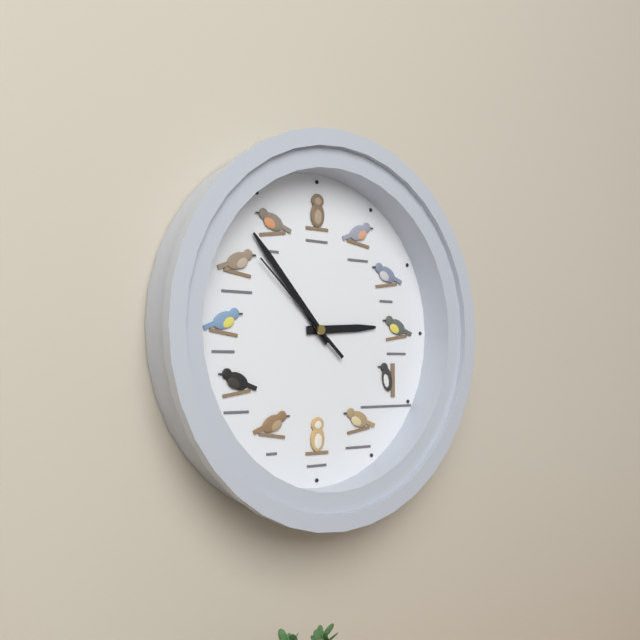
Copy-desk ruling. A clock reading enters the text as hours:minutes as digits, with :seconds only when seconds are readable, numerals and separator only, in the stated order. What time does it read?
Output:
2:53:52
